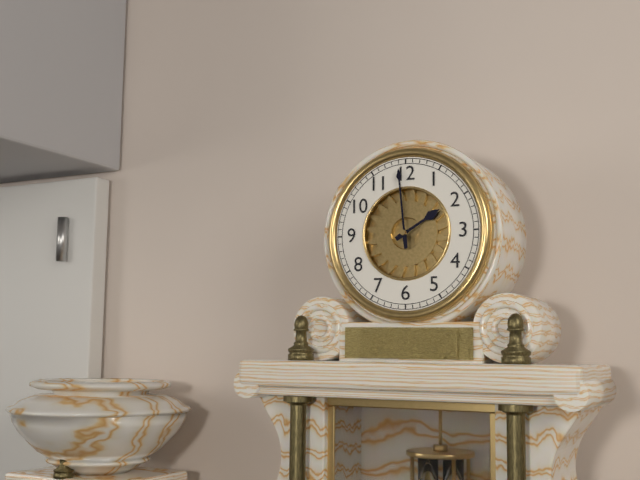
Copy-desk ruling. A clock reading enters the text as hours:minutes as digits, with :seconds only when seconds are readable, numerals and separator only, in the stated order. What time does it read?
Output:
1:59
